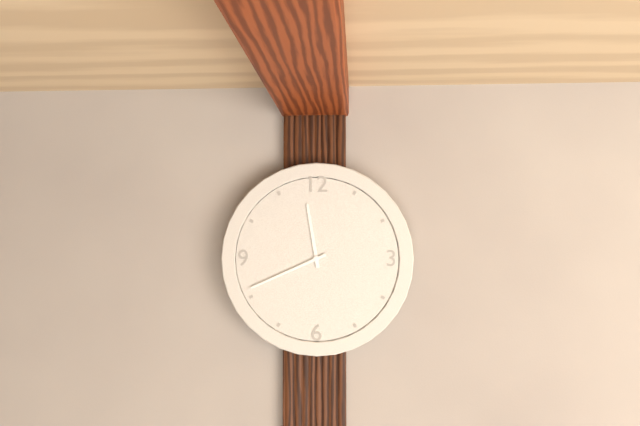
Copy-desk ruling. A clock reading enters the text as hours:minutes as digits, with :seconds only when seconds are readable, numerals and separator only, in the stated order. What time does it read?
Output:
11:41
